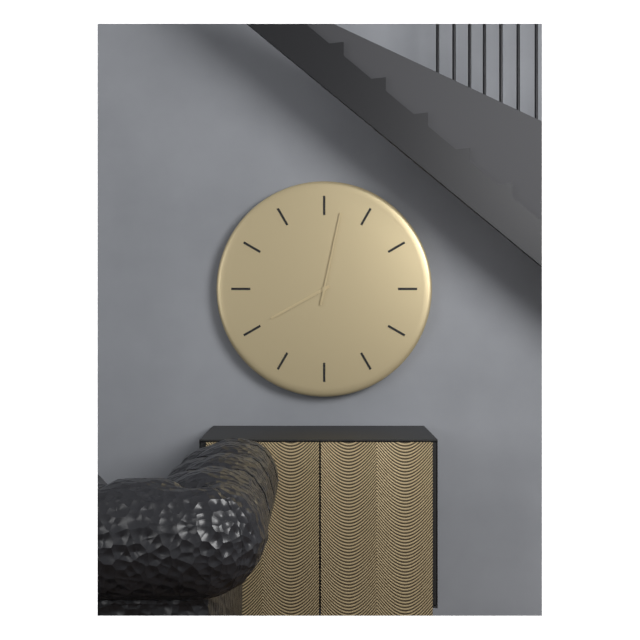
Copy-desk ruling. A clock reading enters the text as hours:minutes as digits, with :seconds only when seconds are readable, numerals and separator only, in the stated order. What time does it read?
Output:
8:02
